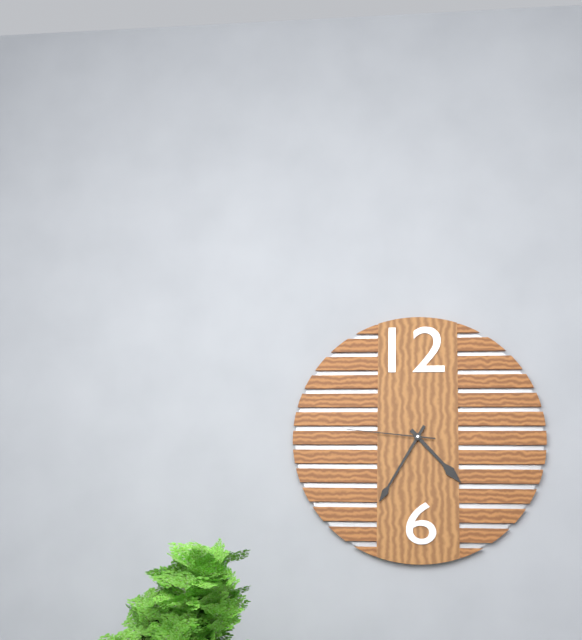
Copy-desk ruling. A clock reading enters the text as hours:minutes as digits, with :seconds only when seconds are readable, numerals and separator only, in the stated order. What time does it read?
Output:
4:35:46
